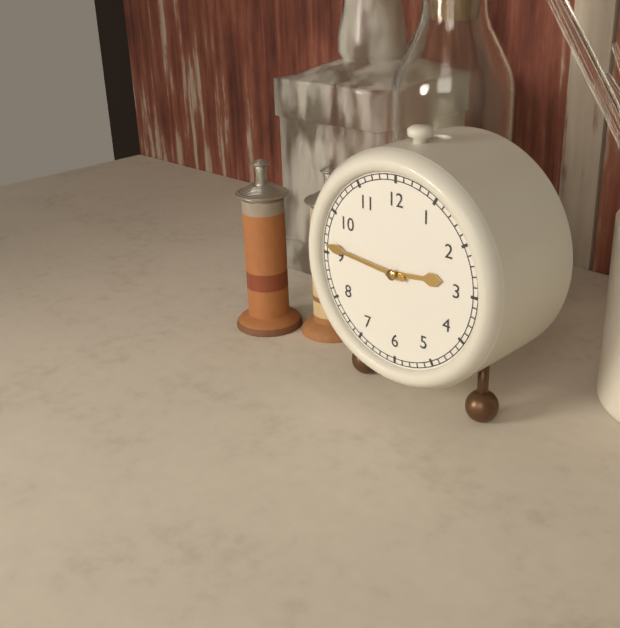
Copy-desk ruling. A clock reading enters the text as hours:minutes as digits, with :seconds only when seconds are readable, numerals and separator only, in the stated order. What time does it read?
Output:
2:46
